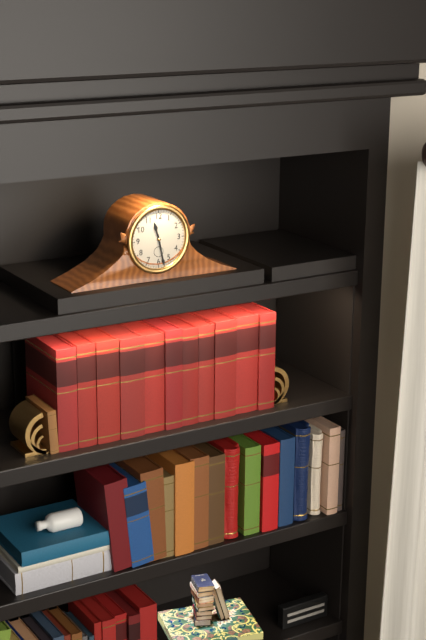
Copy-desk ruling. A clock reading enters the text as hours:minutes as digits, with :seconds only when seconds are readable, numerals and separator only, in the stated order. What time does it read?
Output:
11:28
